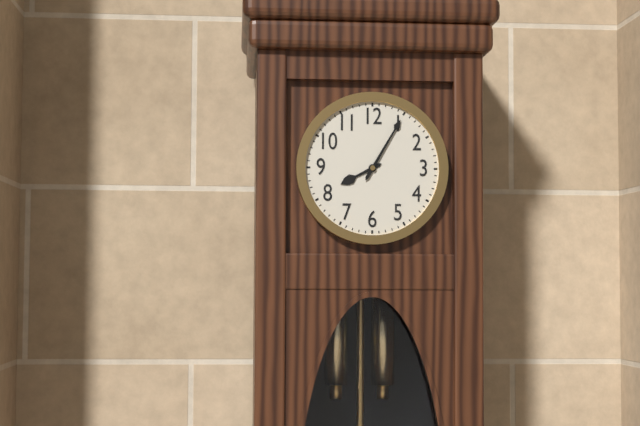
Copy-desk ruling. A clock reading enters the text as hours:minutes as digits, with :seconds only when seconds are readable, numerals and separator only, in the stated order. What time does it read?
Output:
8:05
